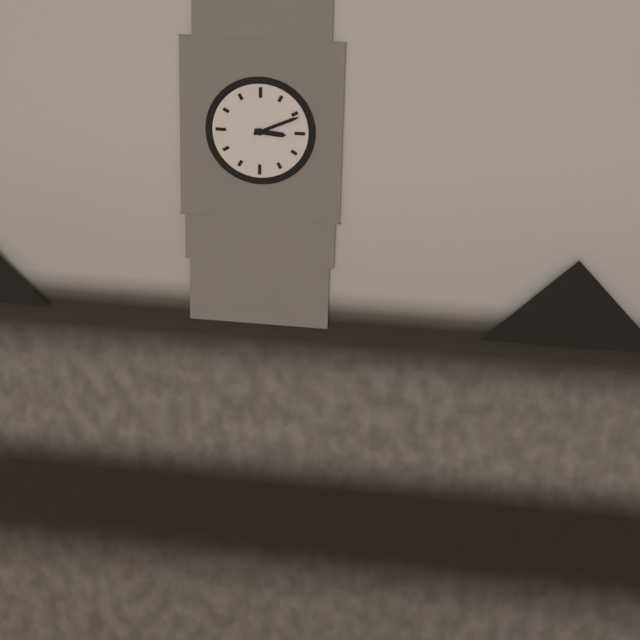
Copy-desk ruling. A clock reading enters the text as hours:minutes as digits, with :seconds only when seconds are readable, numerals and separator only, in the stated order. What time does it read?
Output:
3:11
